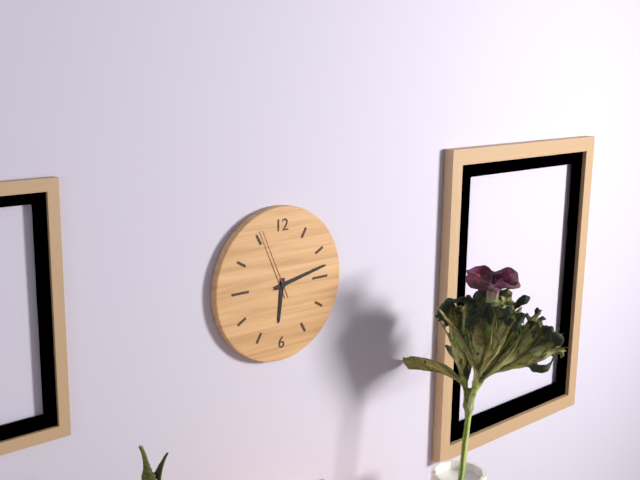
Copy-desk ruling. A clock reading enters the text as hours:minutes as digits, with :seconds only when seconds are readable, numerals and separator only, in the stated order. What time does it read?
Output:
6:13:56
